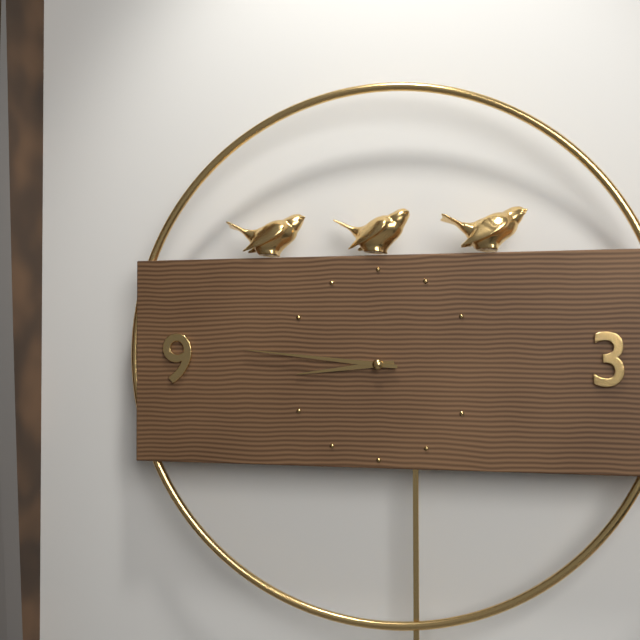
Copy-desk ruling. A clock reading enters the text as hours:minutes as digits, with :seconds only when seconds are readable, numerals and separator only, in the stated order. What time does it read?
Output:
8:46
